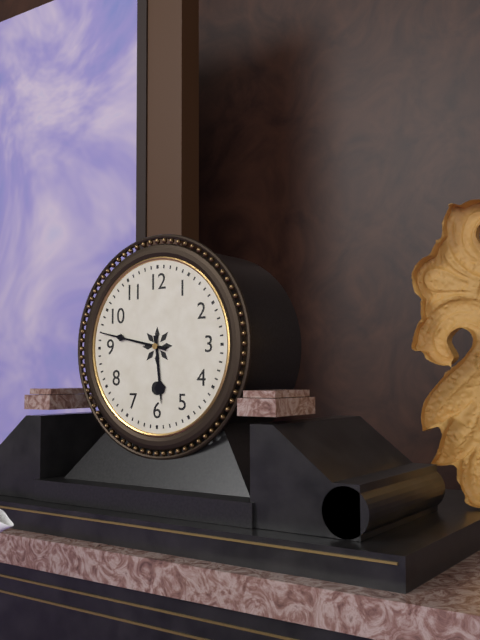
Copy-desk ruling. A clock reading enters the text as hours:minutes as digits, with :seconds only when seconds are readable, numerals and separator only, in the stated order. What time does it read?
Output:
5:47
